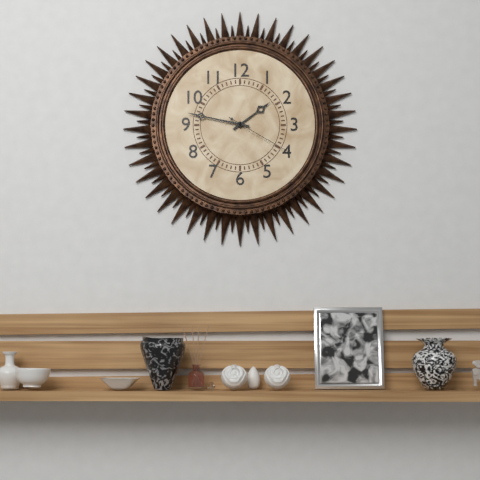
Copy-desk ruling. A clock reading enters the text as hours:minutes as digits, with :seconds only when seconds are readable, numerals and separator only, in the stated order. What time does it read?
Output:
1:47:20
